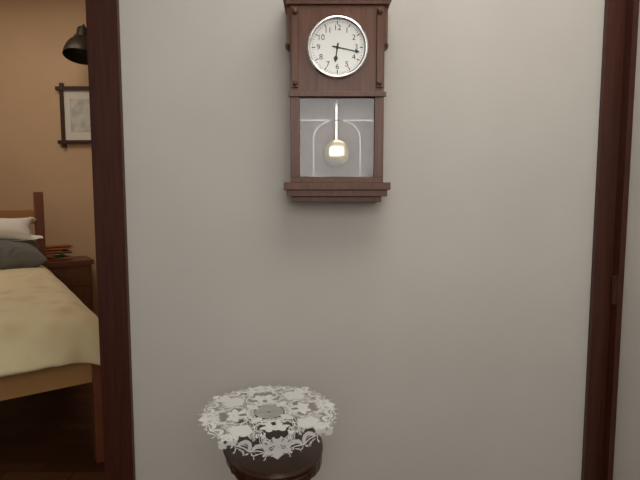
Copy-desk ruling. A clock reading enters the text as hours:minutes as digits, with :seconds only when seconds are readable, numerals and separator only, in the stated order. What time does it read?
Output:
6:17
